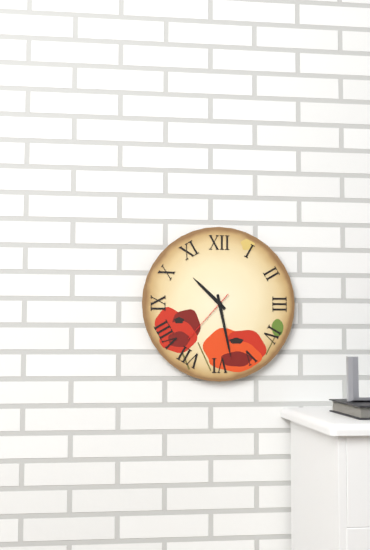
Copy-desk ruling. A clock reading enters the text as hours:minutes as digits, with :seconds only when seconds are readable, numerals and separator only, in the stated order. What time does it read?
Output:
10:28:37
